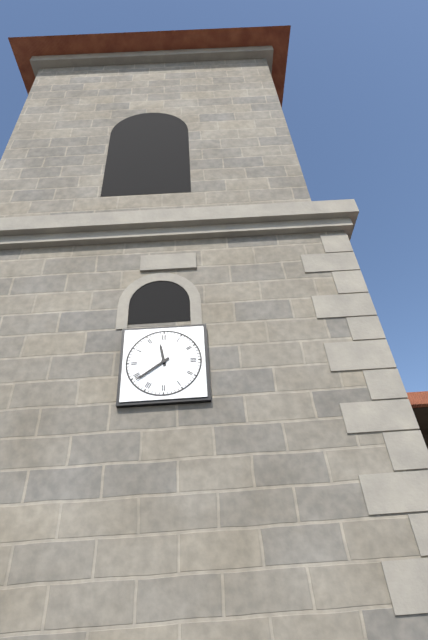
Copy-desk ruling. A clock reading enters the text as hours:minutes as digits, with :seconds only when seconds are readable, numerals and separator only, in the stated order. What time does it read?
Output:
11:39
